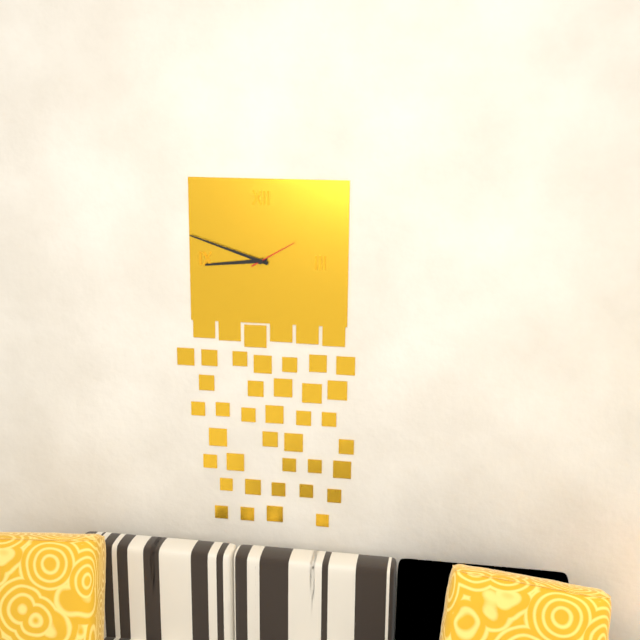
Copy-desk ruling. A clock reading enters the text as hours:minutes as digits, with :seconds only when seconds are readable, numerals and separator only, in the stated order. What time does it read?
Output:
8:48
